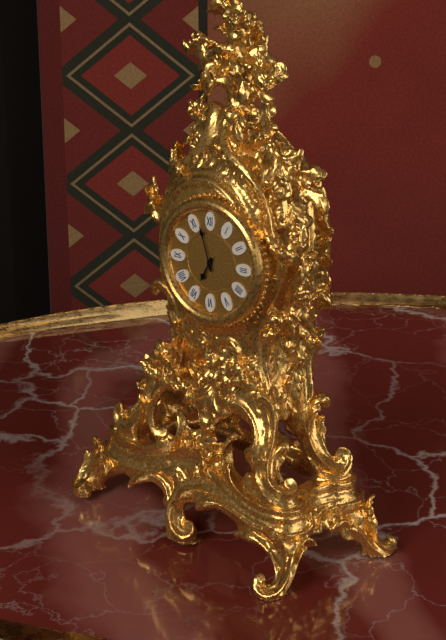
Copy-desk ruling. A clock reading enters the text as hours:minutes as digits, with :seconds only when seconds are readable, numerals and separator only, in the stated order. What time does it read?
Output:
6:57
